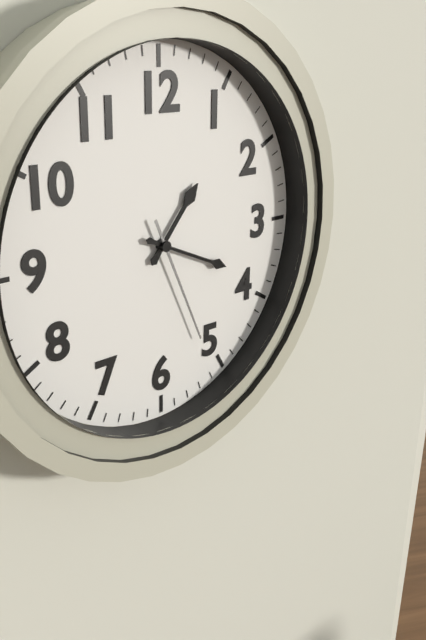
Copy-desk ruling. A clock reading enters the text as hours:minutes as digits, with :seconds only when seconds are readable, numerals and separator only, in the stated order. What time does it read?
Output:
1:19:26
